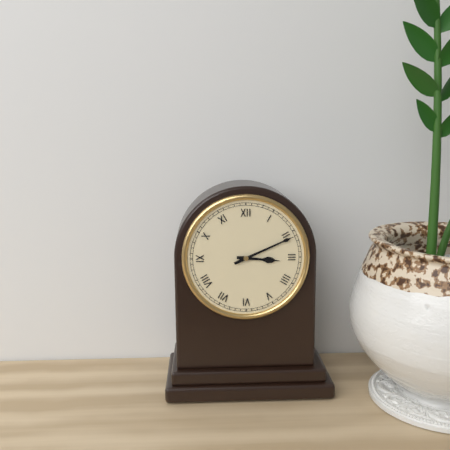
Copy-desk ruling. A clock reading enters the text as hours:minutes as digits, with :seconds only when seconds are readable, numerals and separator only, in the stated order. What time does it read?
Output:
3:11
